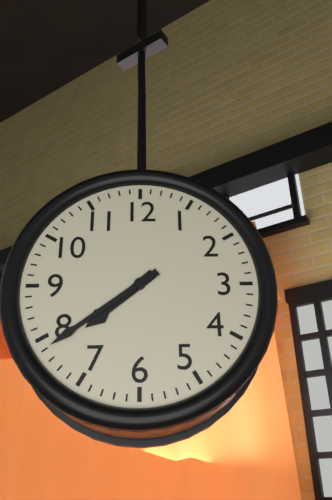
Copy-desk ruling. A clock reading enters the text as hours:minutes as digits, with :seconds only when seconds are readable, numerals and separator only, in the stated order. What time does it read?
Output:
7:39
